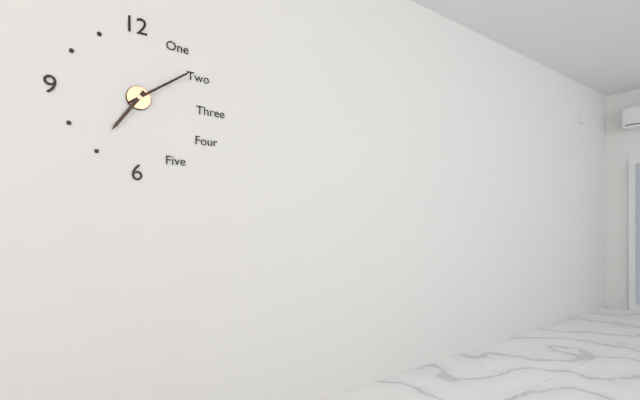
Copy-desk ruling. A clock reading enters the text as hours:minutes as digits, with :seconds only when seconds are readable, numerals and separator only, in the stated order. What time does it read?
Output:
7:09
